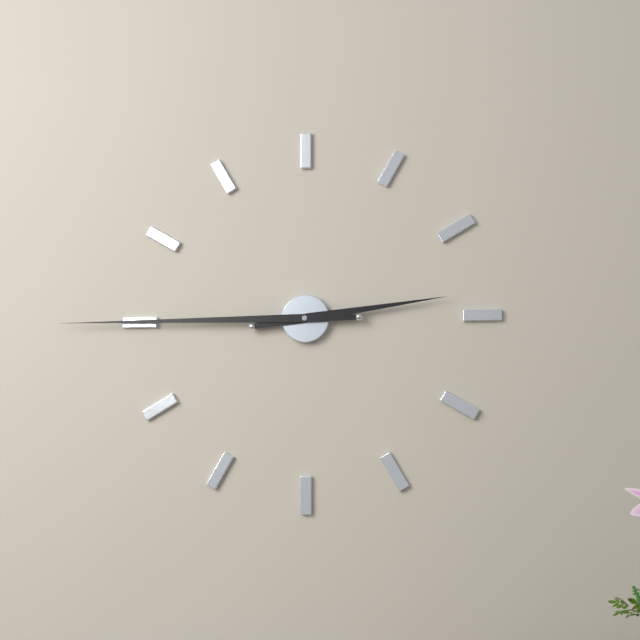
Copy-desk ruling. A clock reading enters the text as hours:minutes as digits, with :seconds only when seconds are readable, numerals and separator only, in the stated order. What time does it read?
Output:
2:45
